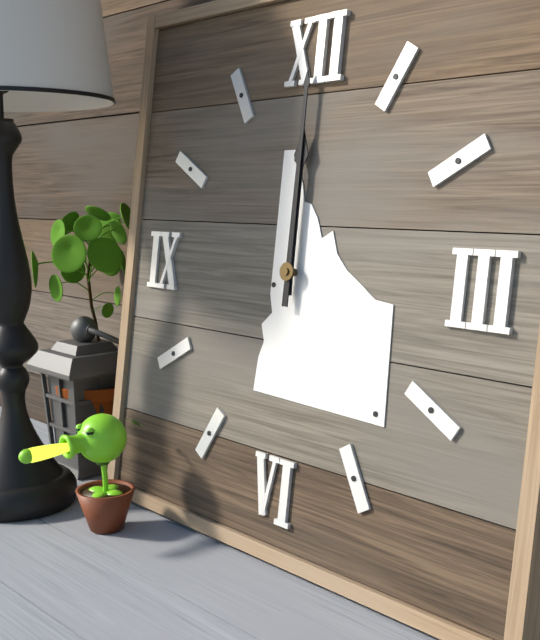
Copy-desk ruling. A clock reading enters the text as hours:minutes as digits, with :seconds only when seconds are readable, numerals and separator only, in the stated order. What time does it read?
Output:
12:00
